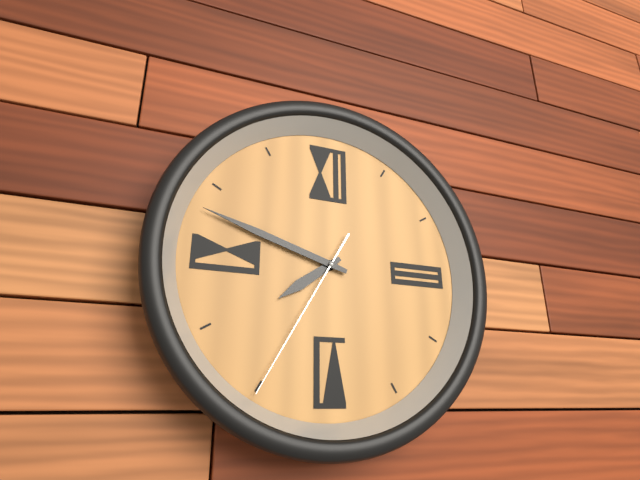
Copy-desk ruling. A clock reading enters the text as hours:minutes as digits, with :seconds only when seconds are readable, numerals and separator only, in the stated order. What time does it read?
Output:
7:48:35
